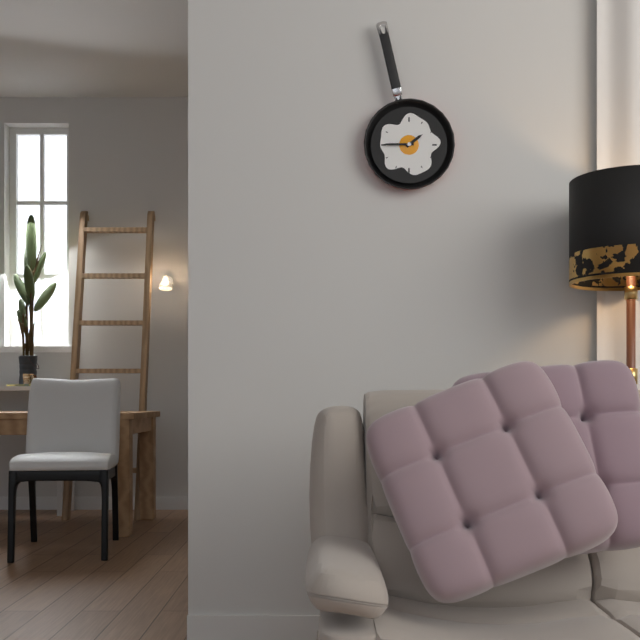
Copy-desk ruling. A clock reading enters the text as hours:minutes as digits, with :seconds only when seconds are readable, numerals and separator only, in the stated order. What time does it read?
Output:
1:45
